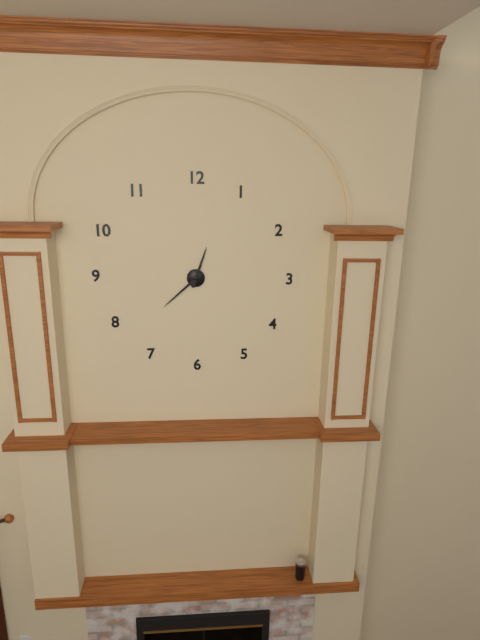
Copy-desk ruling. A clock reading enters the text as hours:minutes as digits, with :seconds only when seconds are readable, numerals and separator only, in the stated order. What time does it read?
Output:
12:38
